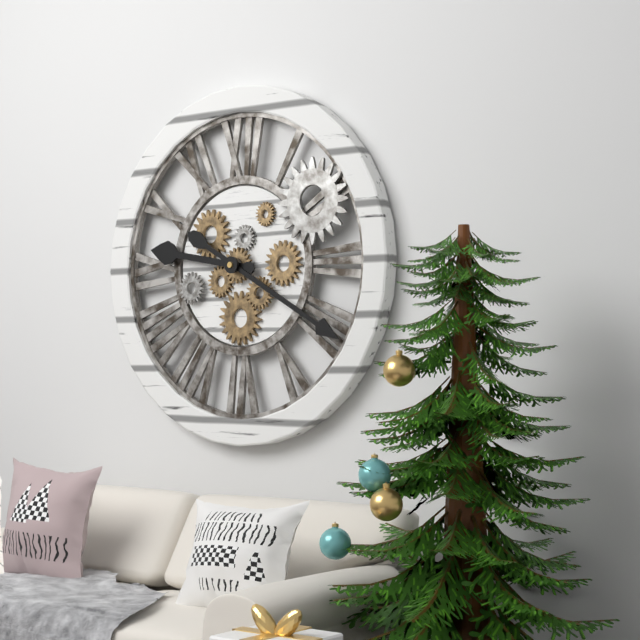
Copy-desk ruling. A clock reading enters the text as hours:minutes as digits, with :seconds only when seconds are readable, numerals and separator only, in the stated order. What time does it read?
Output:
9:20
